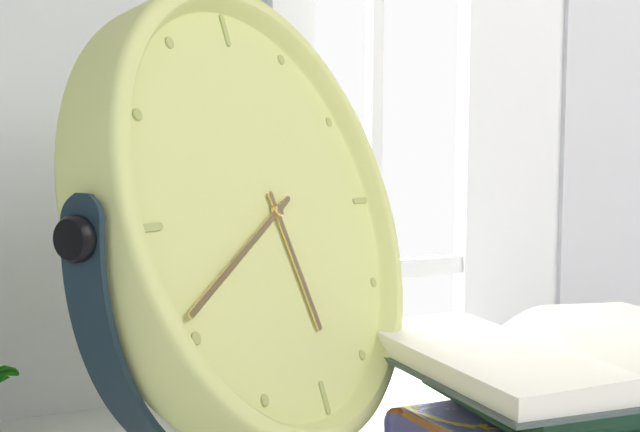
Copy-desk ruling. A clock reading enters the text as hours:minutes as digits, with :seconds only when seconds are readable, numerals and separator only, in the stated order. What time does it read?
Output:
5:41
